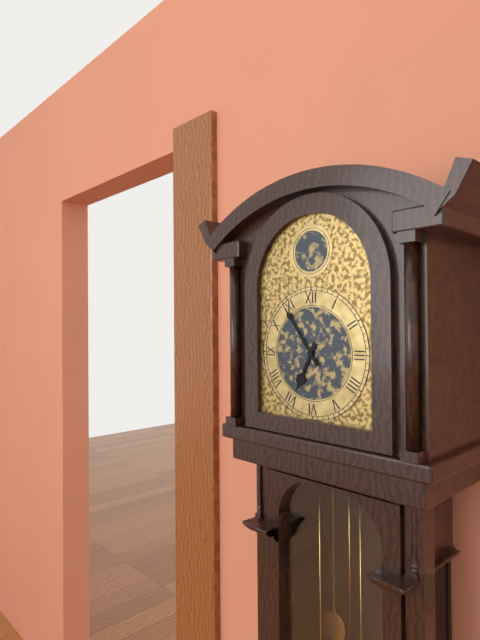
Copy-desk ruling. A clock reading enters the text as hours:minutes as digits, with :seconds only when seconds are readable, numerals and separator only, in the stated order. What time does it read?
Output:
6:54
